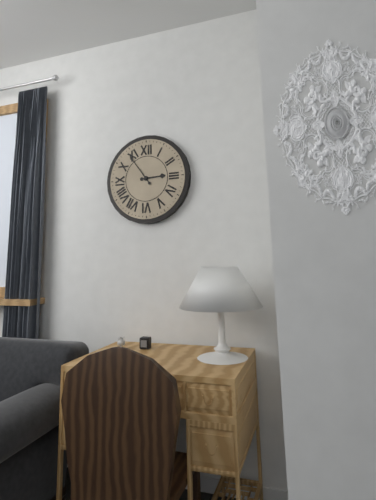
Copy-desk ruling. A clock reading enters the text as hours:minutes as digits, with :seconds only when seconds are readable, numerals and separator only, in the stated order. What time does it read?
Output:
2:54
